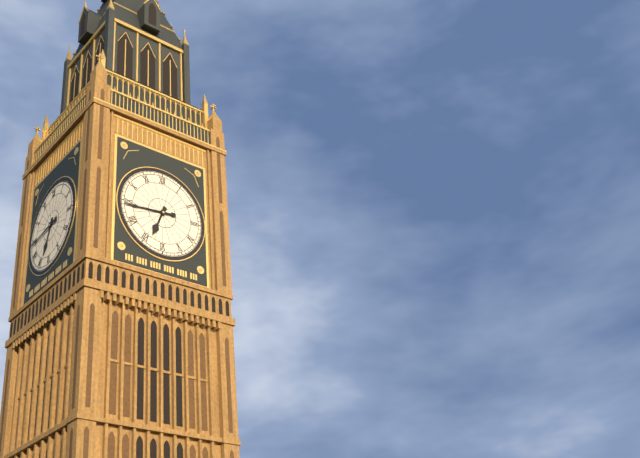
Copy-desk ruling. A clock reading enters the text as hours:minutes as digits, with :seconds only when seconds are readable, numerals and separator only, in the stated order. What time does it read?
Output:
6:44
